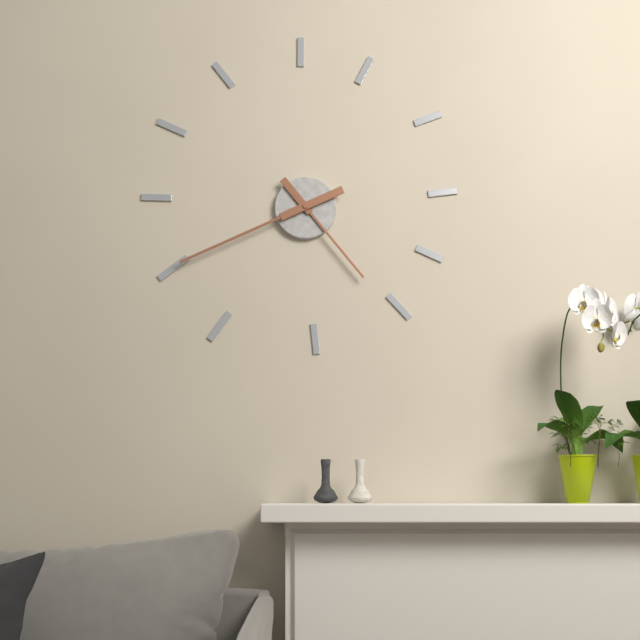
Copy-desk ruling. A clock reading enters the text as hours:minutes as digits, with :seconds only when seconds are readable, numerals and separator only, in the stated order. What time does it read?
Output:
4:41
